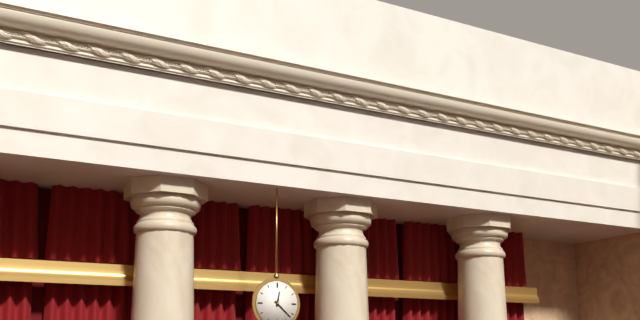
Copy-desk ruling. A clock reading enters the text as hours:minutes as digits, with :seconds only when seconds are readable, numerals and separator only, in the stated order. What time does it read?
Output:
12:22
